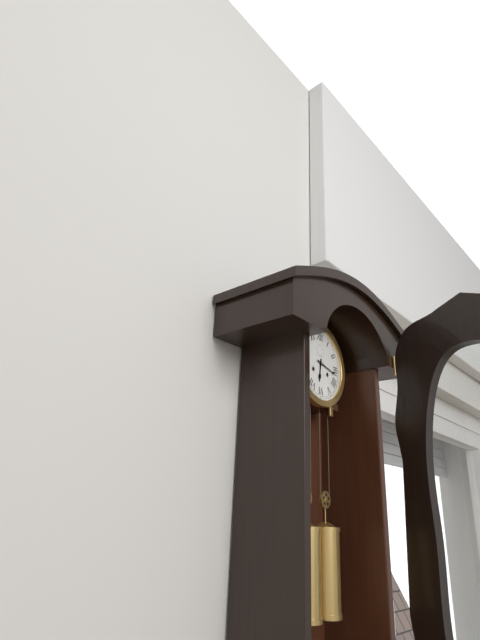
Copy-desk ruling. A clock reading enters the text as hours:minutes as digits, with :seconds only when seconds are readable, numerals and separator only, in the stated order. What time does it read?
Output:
6:17
